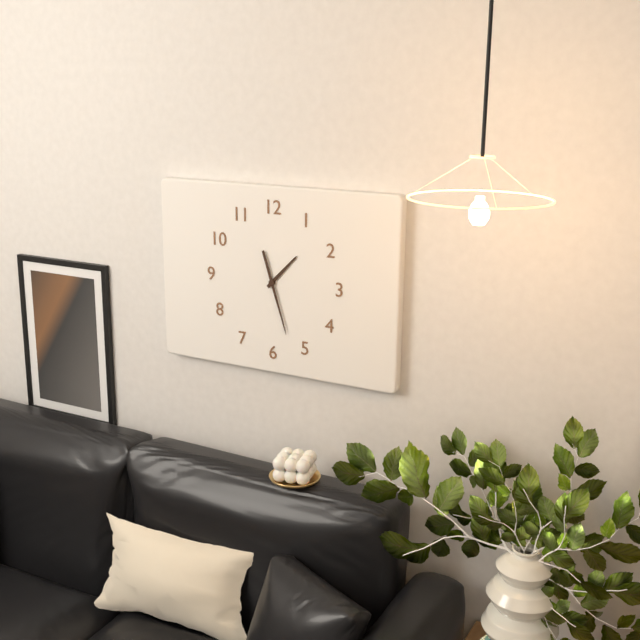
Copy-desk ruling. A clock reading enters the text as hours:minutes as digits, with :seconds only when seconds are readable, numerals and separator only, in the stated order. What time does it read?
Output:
1:27
